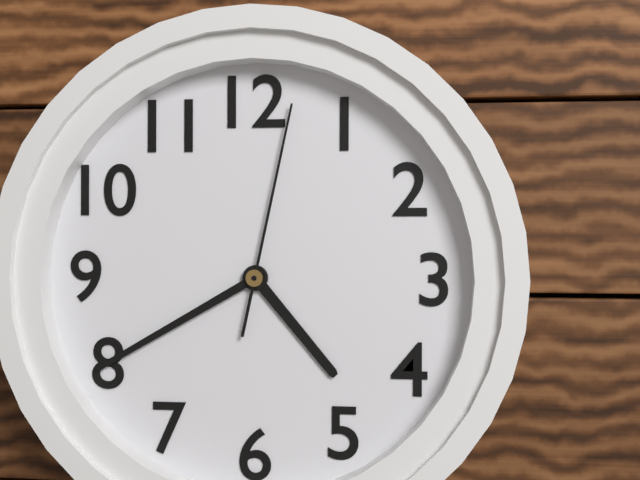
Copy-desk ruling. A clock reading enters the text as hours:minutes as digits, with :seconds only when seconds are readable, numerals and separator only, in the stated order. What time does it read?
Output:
4:40:02
